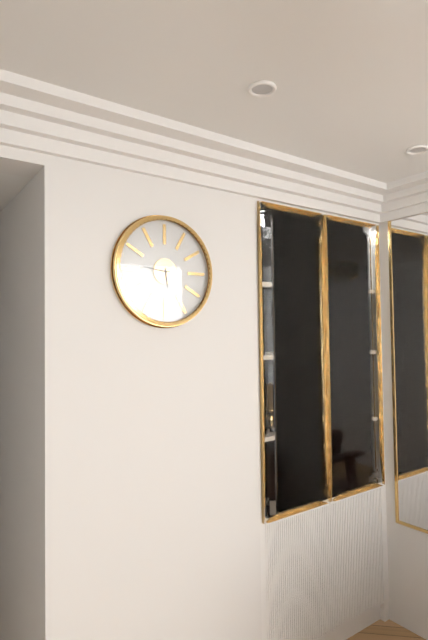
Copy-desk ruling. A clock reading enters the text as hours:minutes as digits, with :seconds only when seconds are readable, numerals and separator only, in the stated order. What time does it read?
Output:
5:46
